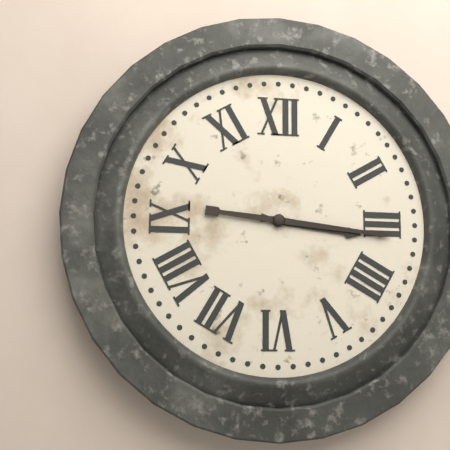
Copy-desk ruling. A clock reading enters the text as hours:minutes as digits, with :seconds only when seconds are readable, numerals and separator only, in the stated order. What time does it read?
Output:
3:16
